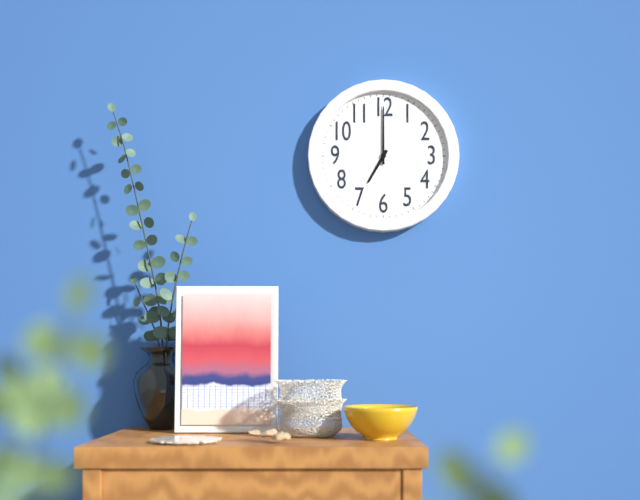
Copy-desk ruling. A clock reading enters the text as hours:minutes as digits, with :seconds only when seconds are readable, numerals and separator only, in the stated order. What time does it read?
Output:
7:00
